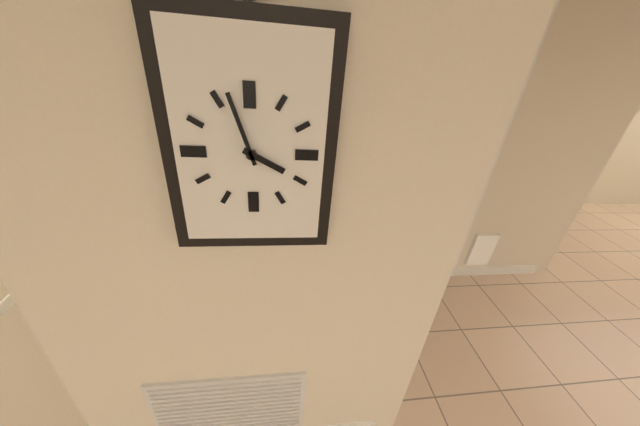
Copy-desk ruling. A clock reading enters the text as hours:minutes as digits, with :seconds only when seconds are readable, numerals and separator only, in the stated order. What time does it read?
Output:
3:57
